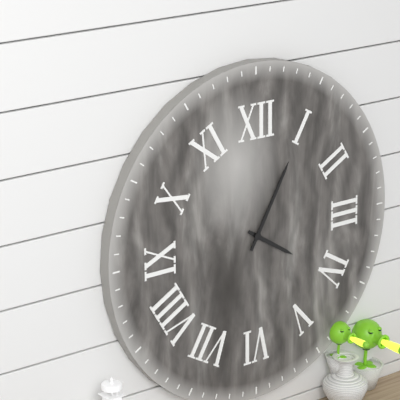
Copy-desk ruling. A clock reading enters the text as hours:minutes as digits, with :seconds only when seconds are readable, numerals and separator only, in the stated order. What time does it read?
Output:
4:05
